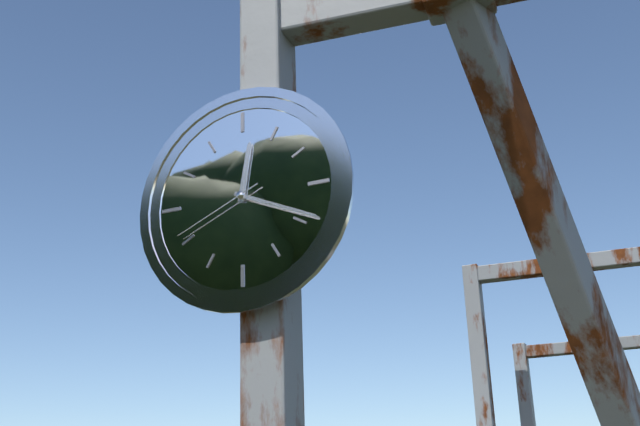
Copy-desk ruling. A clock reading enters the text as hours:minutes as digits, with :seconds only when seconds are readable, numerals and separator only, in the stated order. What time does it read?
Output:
12:19:41
